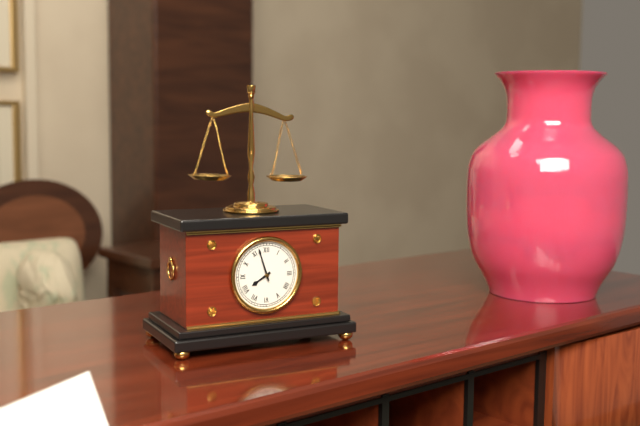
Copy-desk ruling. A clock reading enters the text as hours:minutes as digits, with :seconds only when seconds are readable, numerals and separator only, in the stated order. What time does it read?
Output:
7:57
